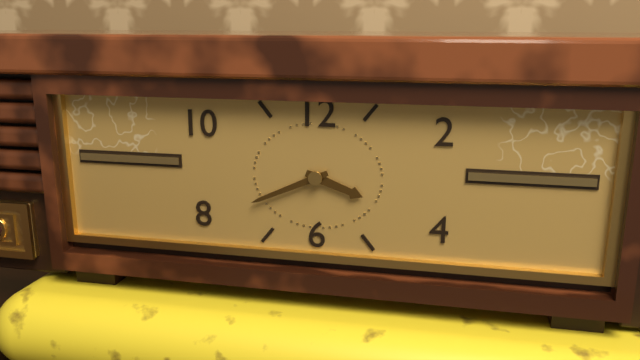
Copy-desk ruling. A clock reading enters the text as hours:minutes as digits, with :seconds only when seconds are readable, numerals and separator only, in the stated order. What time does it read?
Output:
3:41
